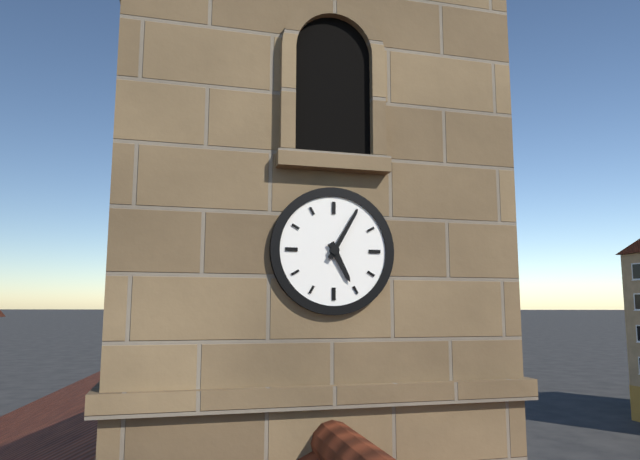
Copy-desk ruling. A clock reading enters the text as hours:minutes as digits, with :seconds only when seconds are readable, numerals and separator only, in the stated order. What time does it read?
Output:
5:05
